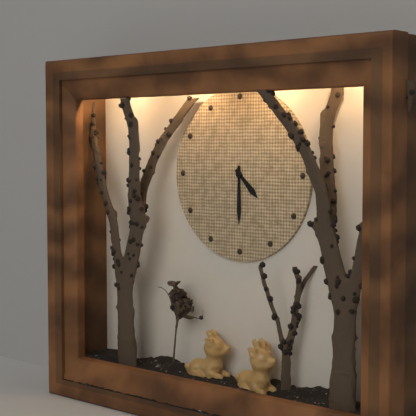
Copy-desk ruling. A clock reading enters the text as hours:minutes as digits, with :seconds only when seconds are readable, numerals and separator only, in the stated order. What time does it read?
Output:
4:30
